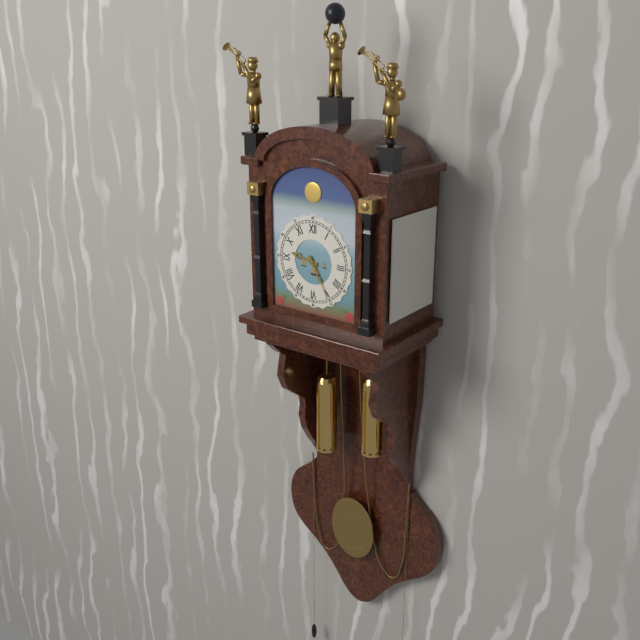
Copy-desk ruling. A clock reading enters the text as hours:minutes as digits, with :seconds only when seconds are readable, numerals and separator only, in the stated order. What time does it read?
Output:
9:25
